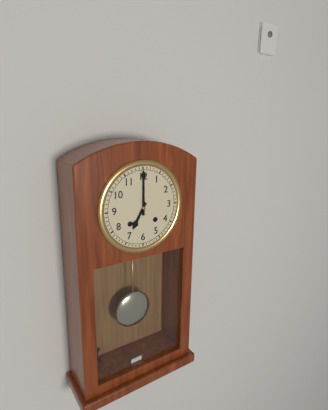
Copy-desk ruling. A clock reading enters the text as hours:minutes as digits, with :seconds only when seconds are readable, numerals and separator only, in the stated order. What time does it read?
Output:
7:00
